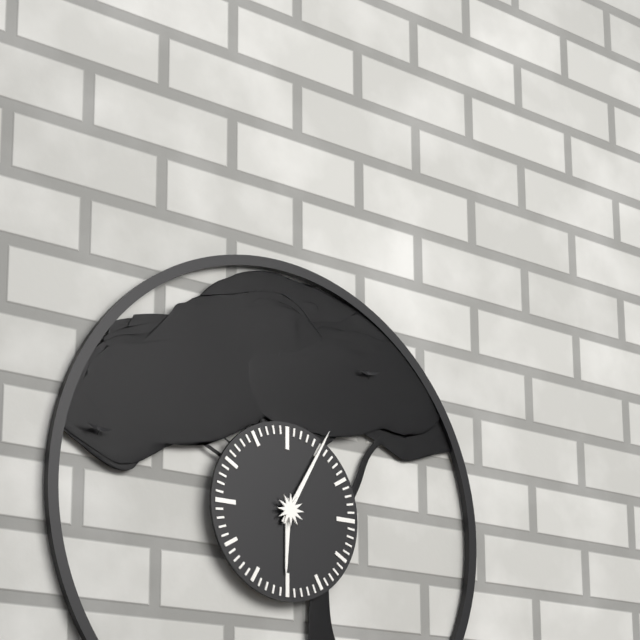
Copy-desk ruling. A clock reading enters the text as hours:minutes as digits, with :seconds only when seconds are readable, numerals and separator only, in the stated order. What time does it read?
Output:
6:05
